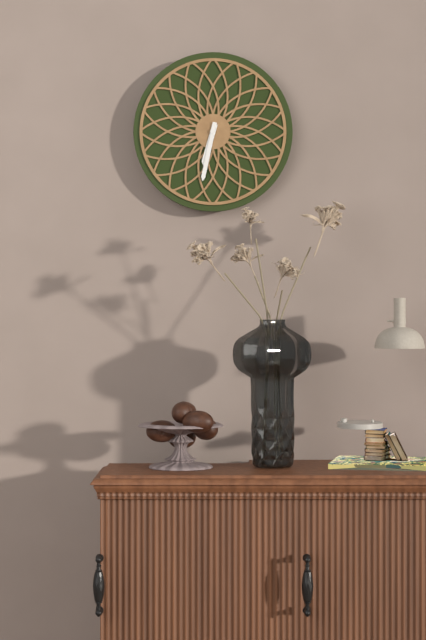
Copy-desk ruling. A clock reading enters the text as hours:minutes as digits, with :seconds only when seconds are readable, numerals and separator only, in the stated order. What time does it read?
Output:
6:32
